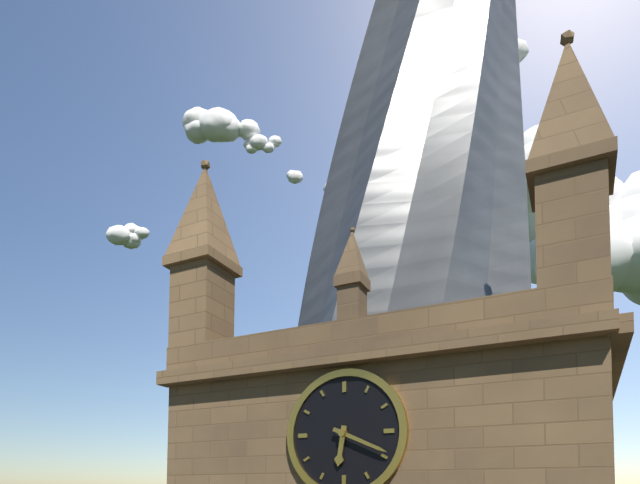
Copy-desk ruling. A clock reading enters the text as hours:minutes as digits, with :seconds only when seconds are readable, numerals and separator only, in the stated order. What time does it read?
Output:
6:19
